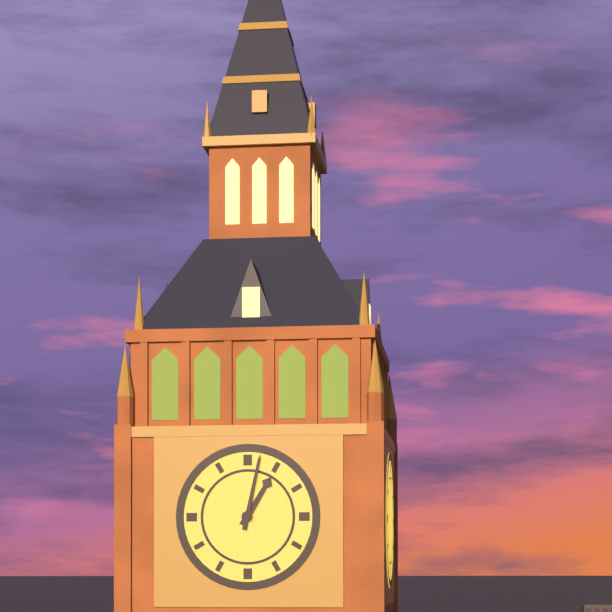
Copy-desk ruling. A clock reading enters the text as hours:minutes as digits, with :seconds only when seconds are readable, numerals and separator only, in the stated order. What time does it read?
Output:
1:02
